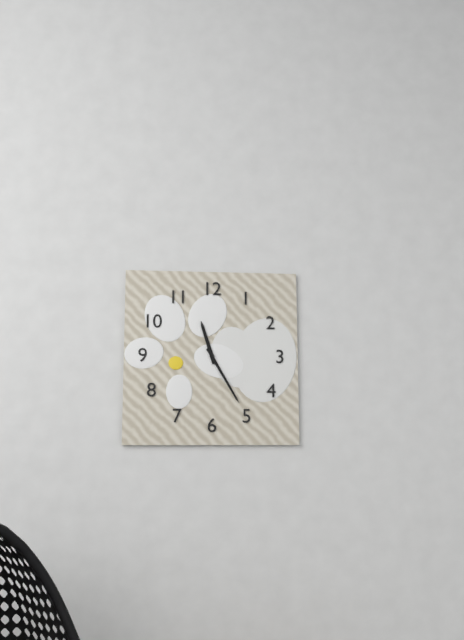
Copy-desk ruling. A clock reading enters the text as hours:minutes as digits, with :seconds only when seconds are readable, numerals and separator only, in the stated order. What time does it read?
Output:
11:25
